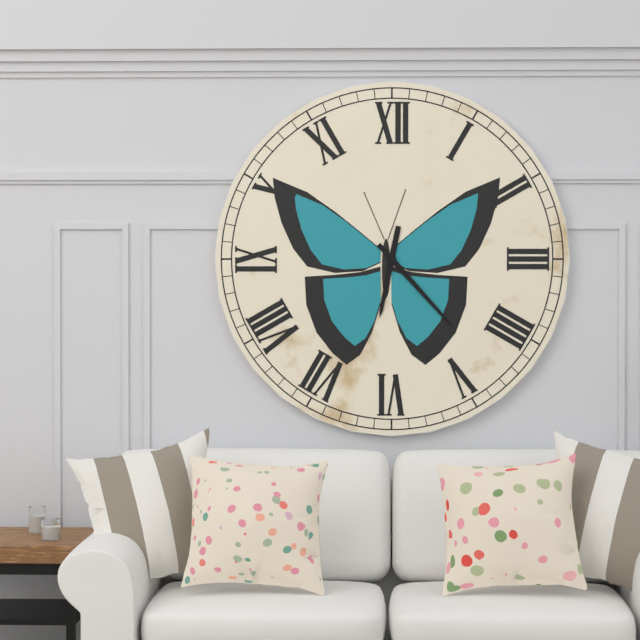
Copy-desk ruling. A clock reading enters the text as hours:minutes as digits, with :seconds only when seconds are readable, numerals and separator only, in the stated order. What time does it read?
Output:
6:23
